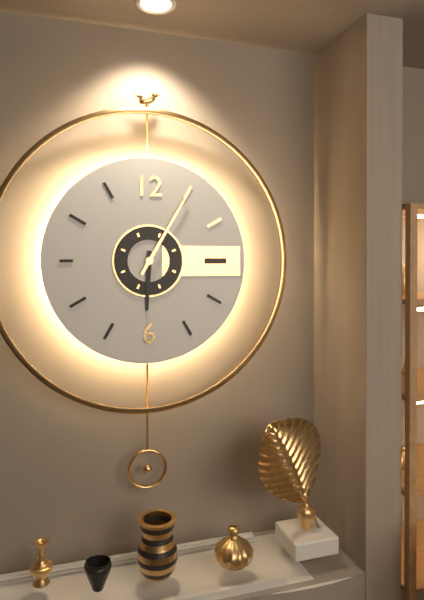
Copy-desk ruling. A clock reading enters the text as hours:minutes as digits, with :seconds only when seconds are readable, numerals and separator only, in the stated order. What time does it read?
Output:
6:05
